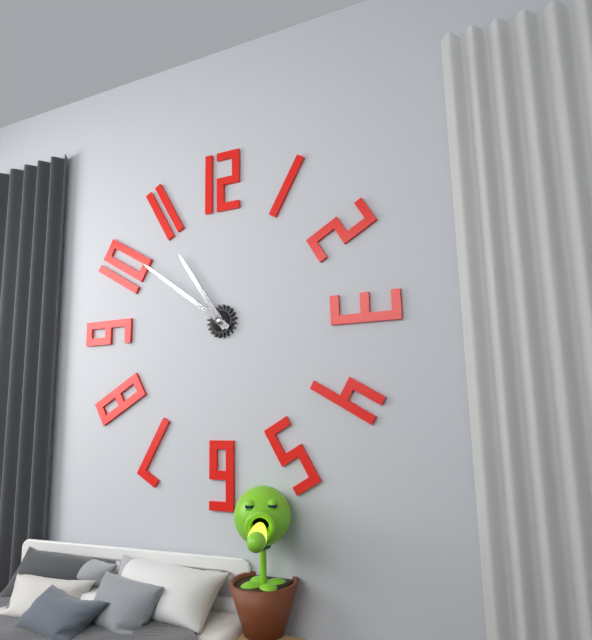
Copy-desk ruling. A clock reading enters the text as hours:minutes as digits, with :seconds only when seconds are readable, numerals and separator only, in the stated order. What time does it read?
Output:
10:51
